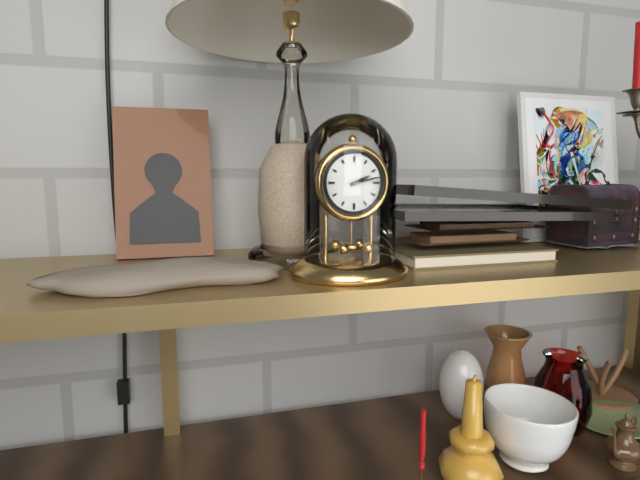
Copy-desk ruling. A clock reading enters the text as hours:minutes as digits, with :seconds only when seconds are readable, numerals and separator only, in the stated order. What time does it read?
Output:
2:13
